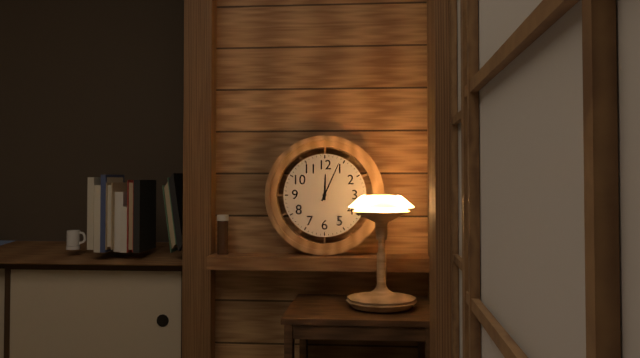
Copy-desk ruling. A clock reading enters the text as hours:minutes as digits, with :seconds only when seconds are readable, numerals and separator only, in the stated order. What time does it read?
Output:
12:04
